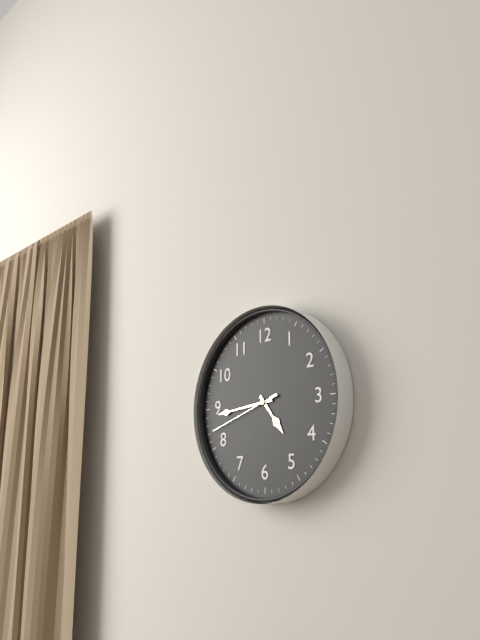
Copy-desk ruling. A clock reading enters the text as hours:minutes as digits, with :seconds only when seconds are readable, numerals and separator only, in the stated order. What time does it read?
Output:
4:44:42
